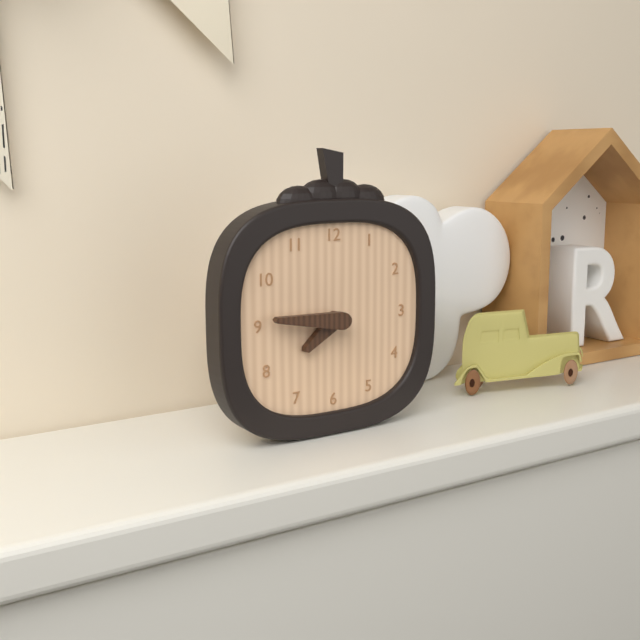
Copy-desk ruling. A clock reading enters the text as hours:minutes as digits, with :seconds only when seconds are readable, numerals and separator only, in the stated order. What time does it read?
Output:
7:46
